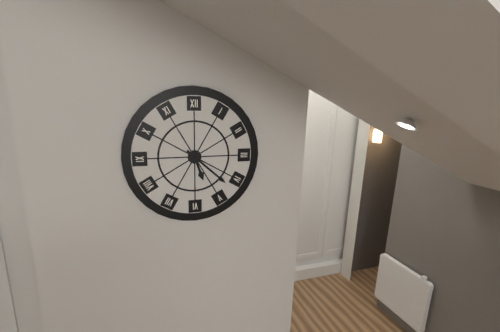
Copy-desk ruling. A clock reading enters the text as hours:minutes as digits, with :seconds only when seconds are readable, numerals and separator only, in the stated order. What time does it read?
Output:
5:22
